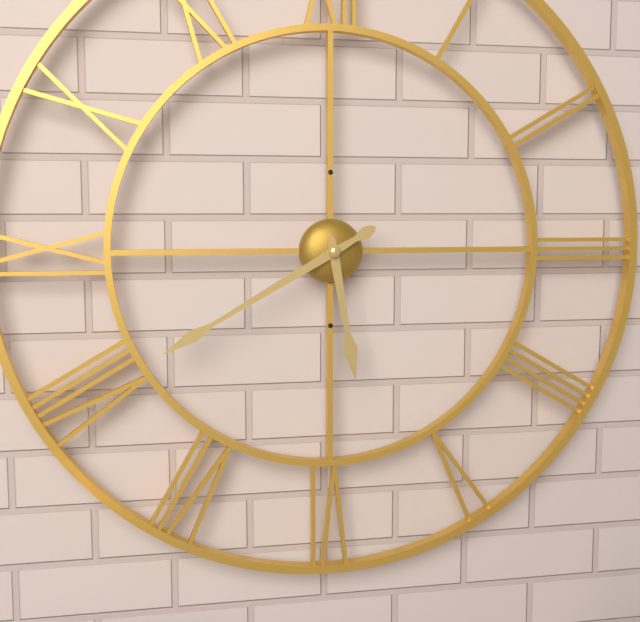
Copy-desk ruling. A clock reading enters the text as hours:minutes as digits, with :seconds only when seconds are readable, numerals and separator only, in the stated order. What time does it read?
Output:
5:40
